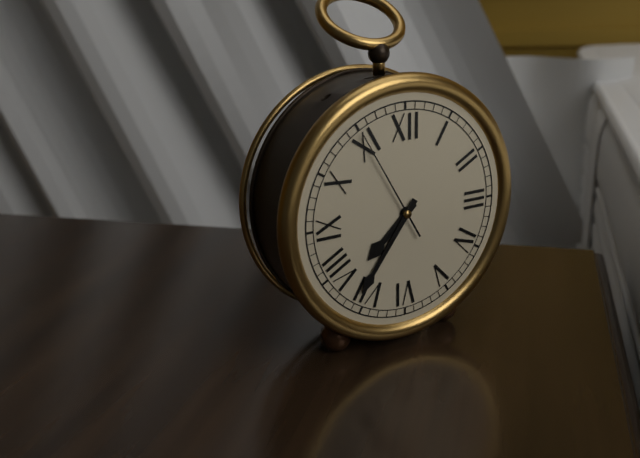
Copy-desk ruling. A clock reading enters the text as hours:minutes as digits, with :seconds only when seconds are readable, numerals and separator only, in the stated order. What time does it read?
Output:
7:36:55
